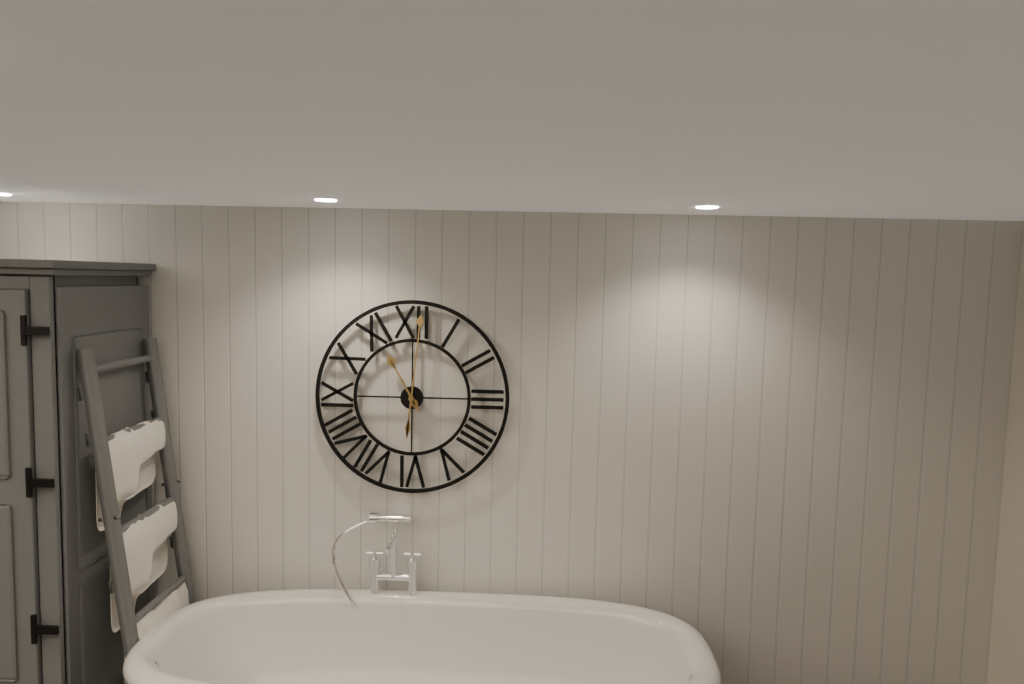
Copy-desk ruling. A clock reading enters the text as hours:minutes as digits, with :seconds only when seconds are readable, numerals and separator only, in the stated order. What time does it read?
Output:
11:01
